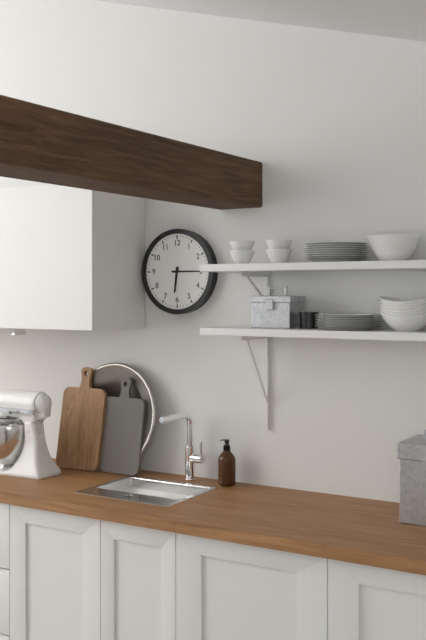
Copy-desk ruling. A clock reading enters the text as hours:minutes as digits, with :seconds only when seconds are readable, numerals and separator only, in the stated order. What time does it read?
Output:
6:15
